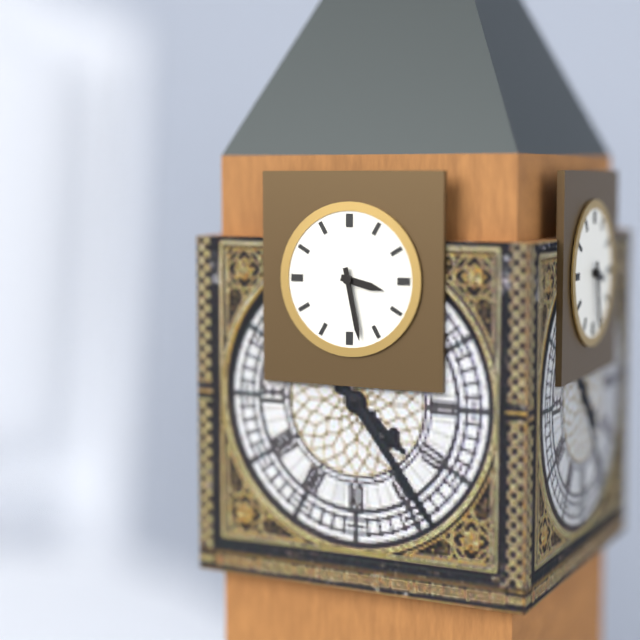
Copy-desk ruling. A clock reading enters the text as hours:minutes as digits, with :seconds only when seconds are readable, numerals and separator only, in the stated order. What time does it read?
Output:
3:28
